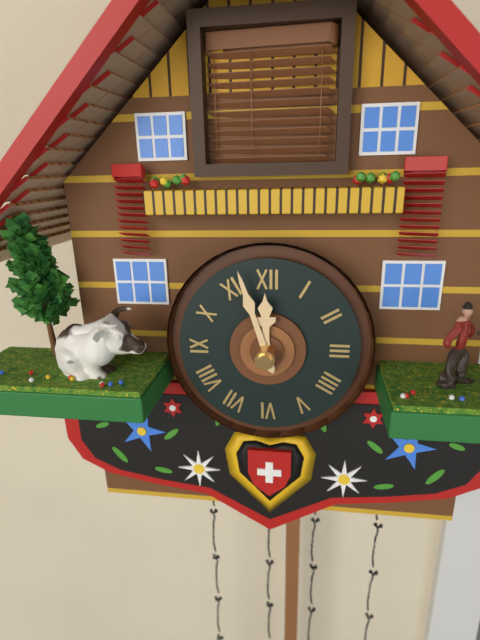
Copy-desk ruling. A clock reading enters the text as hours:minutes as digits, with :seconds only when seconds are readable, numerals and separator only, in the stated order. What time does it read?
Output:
11:57
